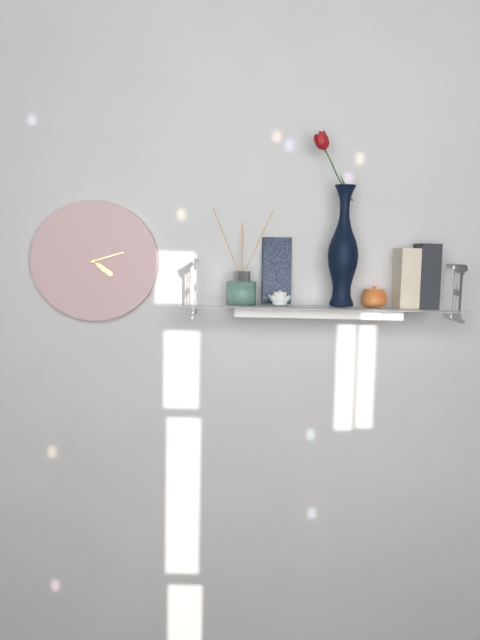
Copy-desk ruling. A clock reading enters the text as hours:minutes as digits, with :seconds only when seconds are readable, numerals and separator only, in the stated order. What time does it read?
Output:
4:12
